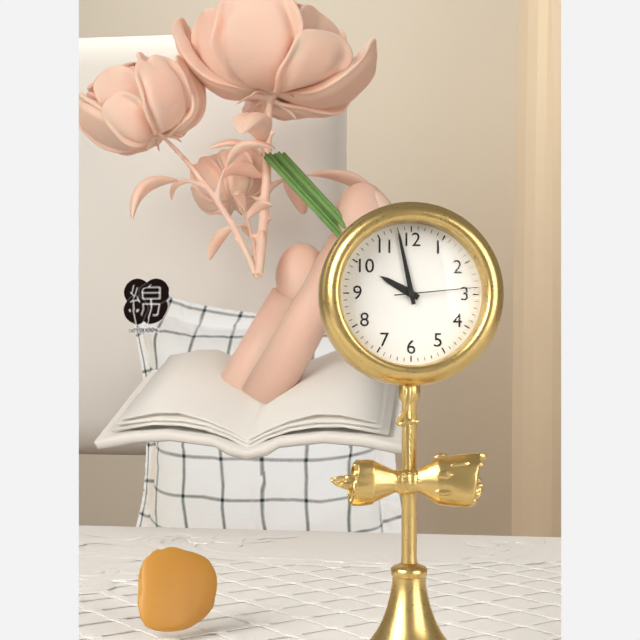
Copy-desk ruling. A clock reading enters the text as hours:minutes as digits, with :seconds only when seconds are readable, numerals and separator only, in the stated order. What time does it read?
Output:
9:58:14
